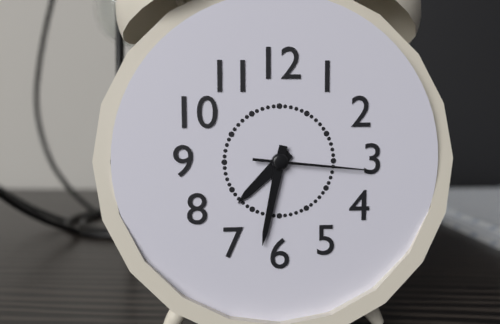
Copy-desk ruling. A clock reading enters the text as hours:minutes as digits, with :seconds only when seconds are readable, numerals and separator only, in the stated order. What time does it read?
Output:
7:32:16
